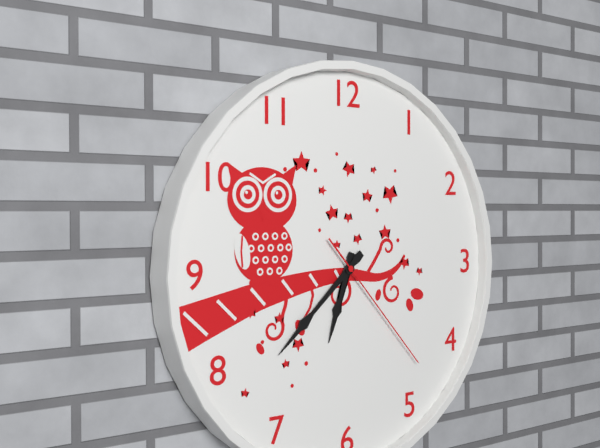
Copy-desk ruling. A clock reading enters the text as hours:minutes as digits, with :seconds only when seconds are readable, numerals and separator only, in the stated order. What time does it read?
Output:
6:38:23
